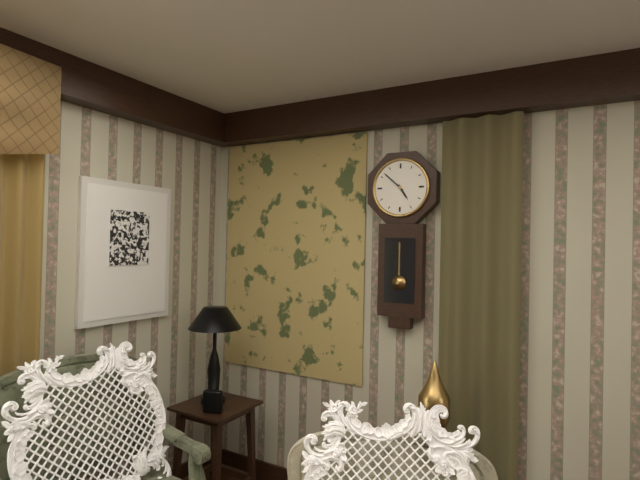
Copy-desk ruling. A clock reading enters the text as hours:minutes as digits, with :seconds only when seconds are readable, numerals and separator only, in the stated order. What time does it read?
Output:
4:52
